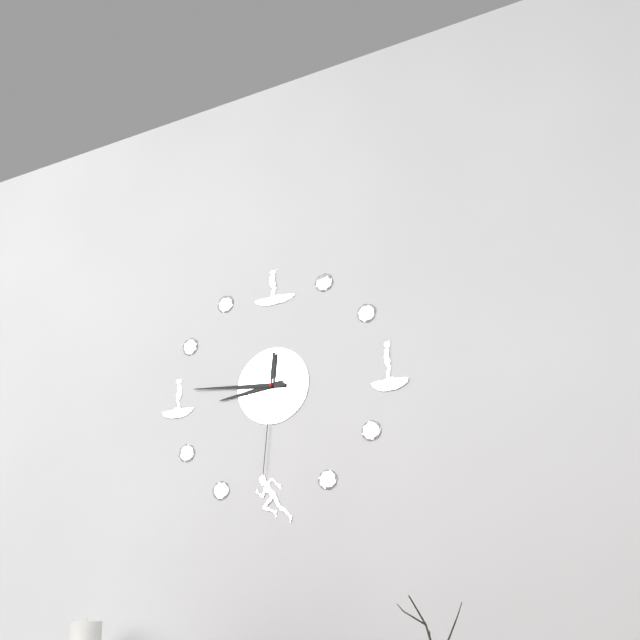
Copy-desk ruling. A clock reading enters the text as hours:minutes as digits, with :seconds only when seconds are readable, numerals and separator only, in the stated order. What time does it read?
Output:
8:46:31
